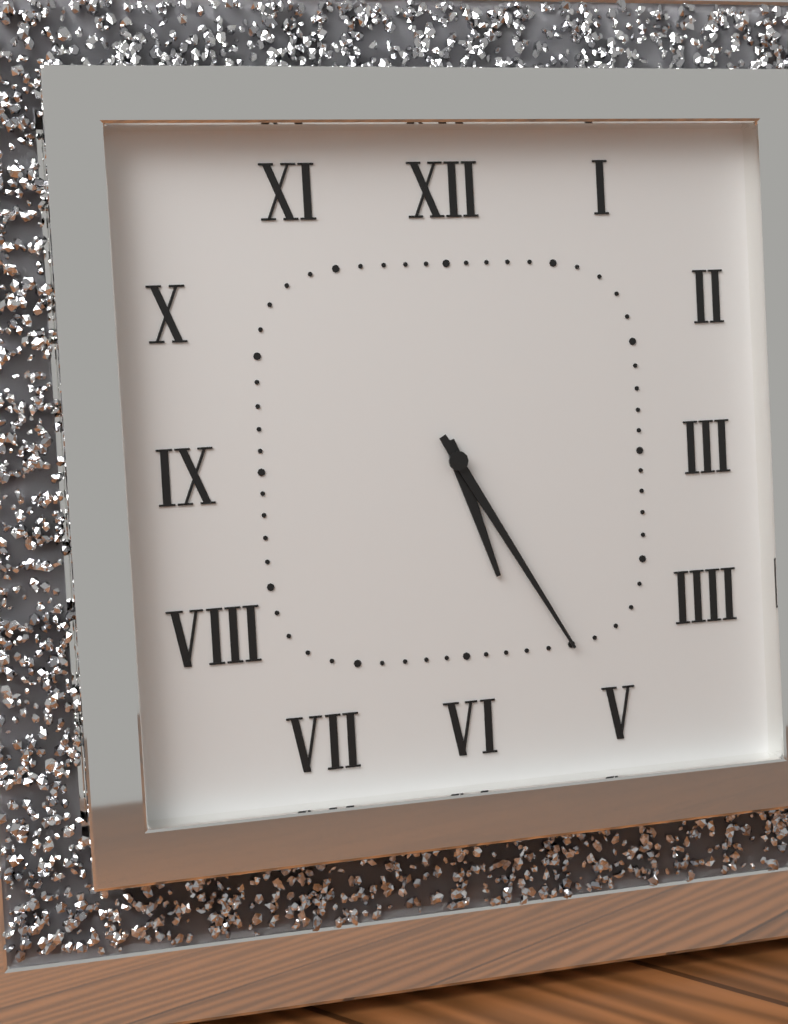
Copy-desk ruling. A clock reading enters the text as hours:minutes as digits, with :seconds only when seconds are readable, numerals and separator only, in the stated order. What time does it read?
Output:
5:25
